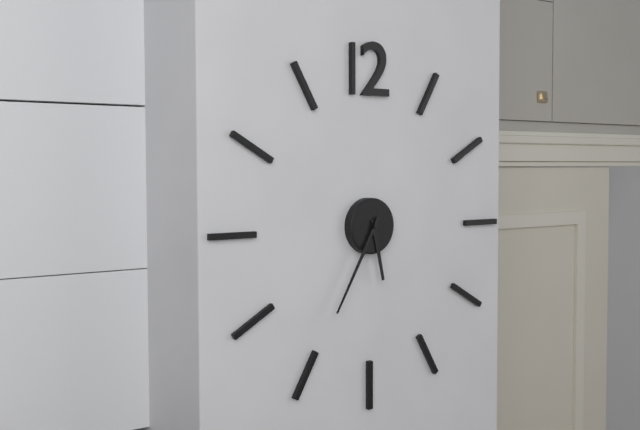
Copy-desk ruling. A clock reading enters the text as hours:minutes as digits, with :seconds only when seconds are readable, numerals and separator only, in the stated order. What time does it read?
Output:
5:35
